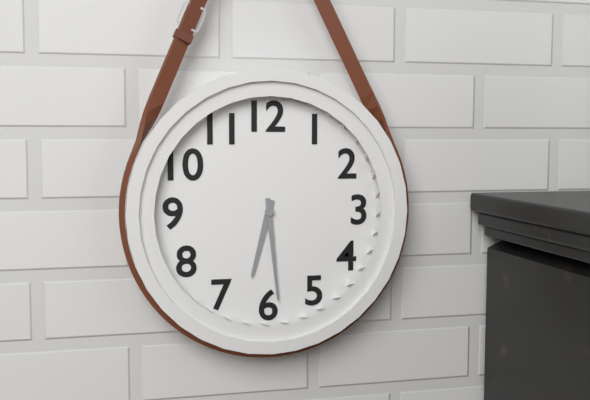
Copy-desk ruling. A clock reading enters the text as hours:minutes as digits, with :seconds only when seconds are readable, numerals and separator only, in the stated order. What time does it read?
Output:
6:29
